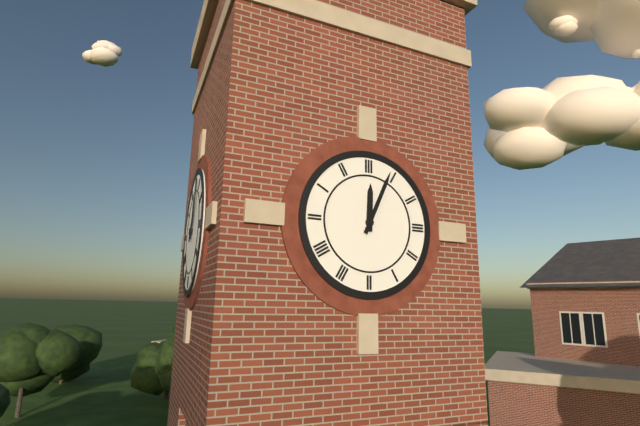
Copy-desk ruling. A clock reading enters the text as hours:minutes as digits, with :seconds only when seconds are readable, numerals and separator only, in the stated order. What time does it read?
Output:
12:04
